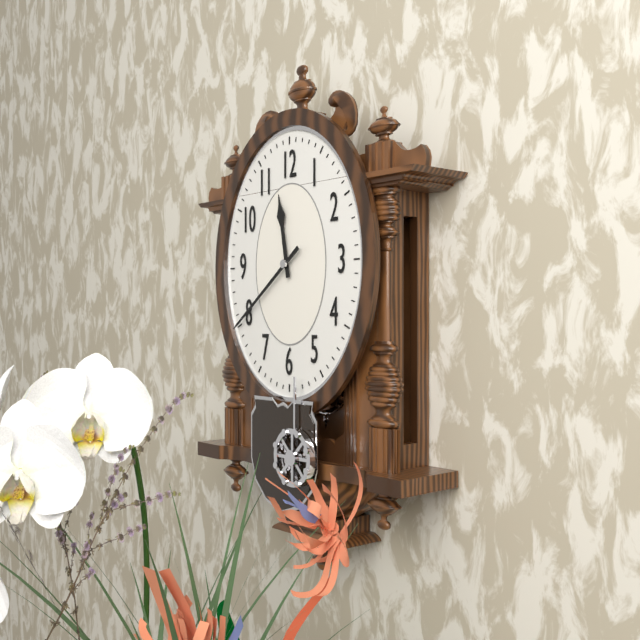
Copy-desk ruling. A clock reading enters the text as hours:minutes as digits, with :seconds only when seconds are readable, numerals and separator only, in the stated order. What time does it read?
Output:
11:39
